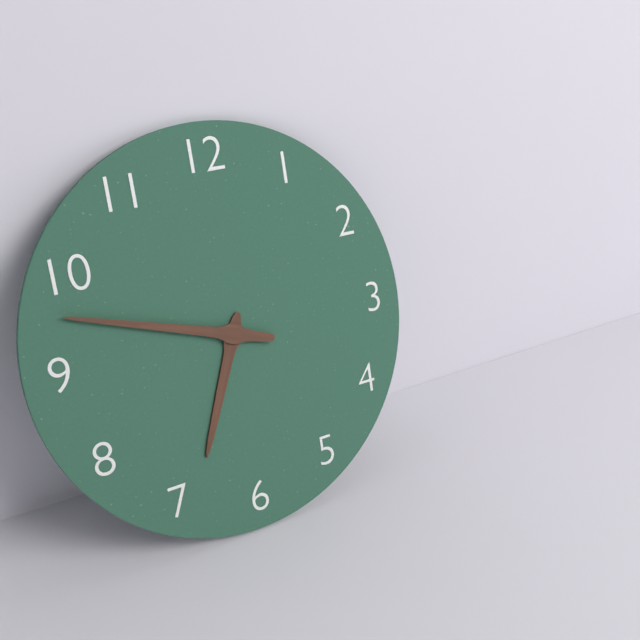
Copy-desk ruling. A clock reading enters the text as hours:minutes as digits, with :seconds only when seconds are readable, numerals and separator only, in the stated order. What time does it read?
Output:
6:48
